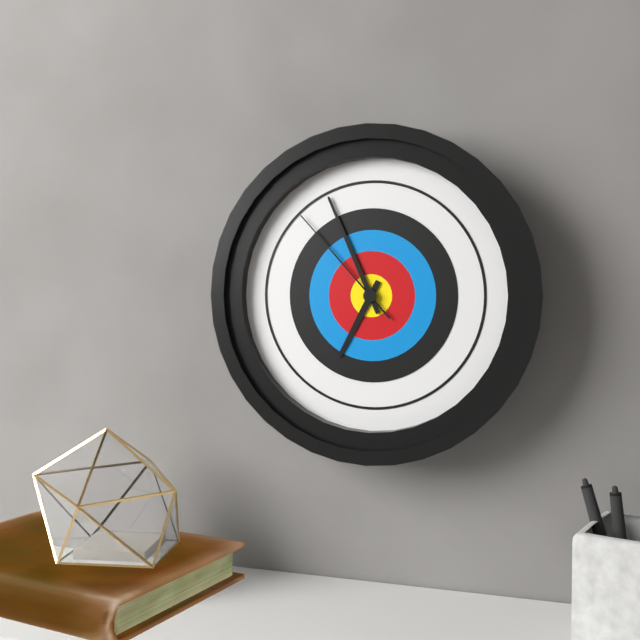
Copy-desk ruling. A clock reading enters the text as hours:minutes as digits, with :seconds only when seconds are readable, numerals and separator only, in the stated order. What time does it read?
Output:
6:56:53
